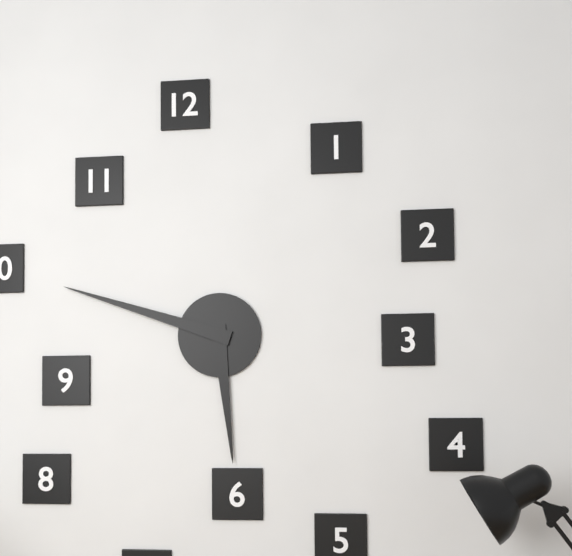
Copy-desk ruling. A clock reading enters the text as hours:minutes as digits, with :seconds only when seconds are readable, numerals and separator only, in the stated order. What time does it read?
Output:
5:48
